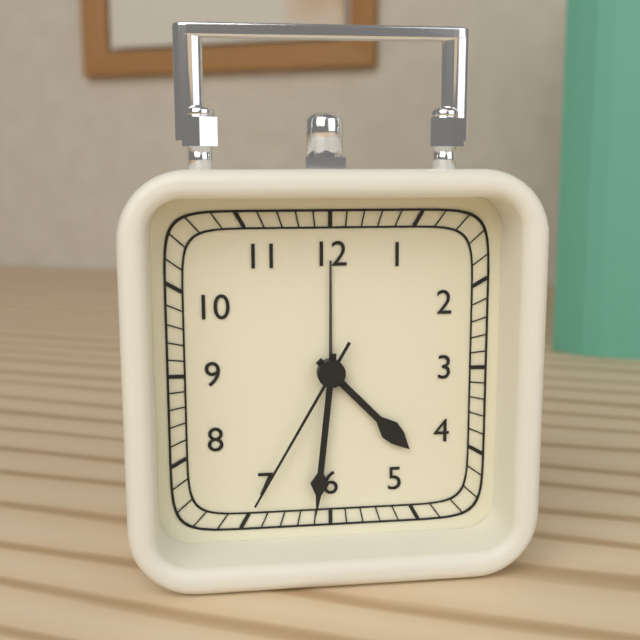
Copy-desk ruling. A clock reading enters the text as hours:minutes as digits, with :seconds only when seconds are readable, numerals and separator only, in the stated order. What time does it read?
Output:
4:31:35
